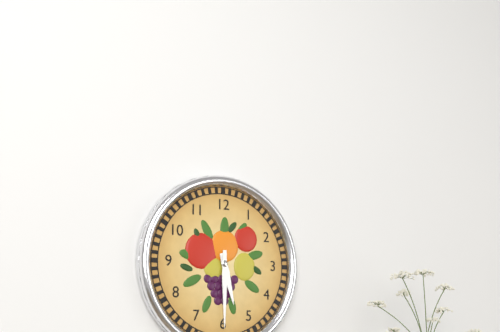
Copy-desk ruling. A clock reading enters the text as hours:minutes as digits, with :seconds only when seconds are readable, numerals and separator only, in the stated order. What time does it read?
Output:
5:30
